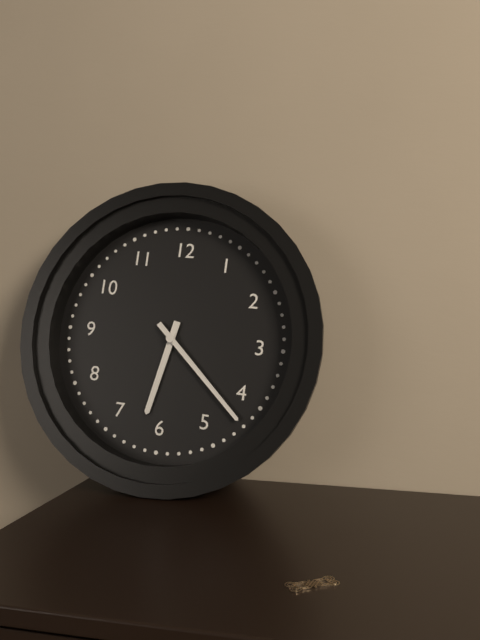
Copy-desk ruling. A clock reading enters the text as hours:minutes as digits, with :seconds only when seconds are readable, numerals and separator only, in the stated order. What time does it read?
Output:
6:22
